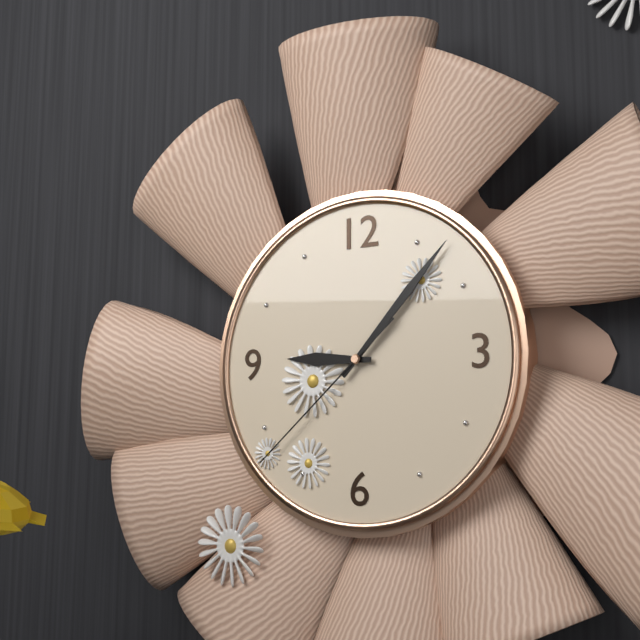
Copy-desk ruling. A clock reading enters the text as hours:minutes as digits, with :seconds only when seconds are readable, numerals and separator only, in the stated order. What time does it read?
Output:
9:07:38
